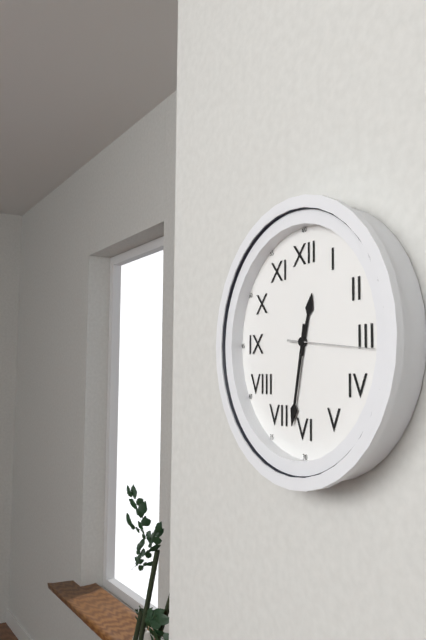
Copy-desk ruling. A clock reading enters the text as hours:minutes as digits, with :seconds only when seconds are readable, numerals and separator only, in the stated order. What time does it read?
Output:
12:32:16
